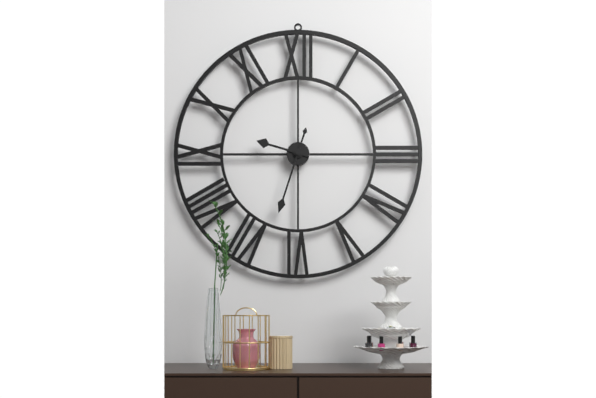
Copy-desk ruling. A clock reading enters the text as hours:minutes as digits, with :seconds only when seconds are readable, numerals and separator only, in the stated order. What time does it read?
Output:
9:33
